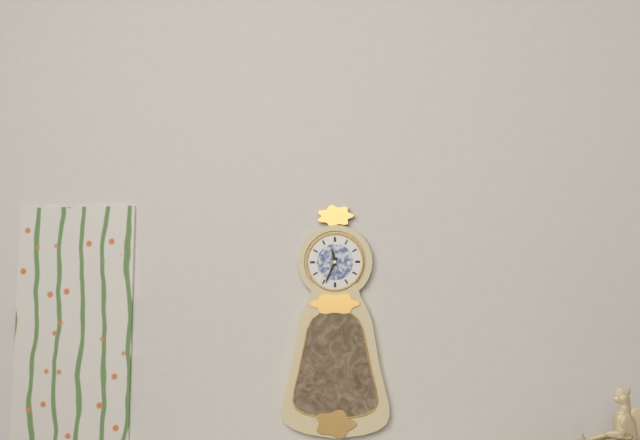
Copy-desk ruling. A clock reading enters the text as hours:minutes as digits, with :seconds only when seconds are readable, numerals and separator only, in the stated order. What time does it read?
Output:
11:34
